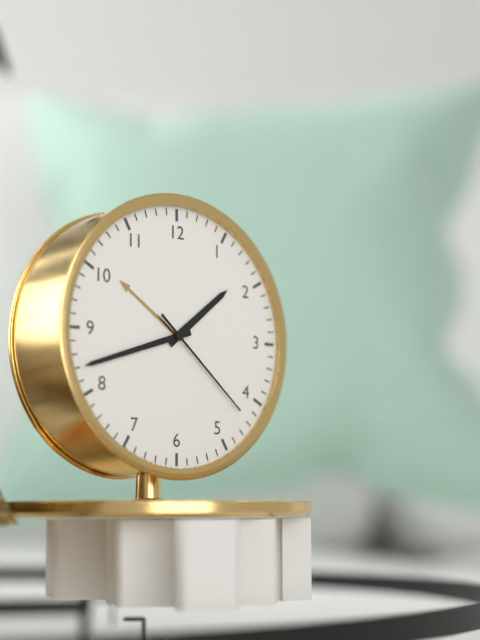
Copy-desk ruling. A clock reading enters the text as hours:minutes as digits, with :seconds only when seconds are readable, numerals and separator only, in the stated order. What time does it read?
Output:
1:42:22
